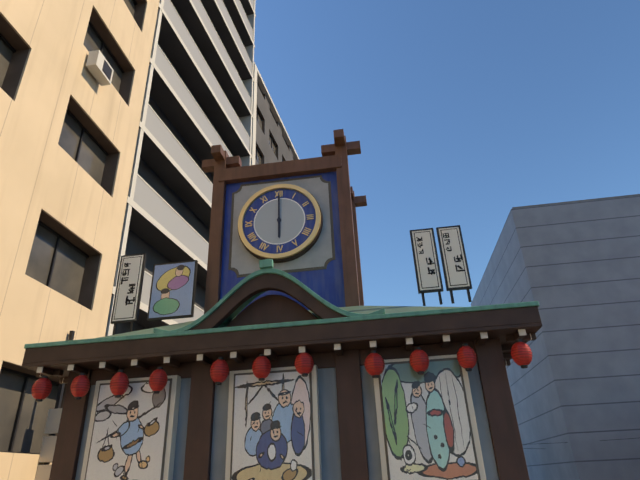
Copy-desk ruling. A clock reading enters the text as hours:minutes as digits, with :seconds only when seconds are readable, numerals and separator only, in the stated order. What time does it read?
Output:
6:00
